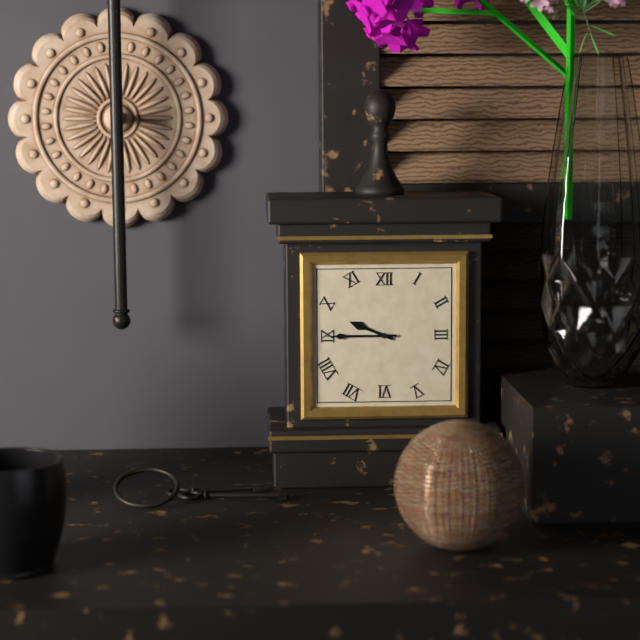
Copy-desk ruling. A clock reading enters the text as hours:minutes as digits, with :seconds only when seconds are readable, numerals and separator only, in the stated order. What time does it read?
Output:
9:45
